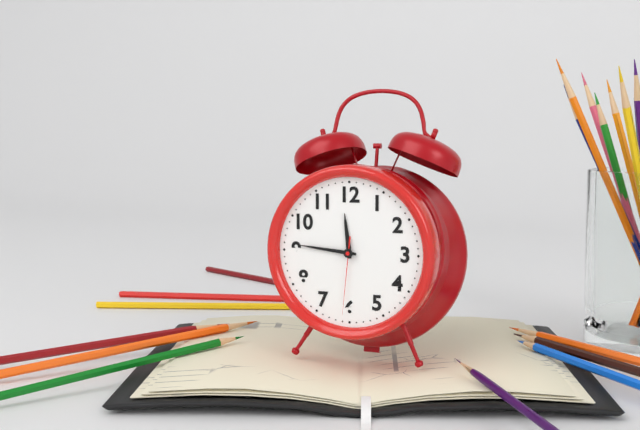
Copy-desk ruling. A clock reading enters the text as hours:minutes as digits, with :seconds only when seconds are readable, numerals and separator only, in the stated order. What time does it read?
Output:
11:46:31
